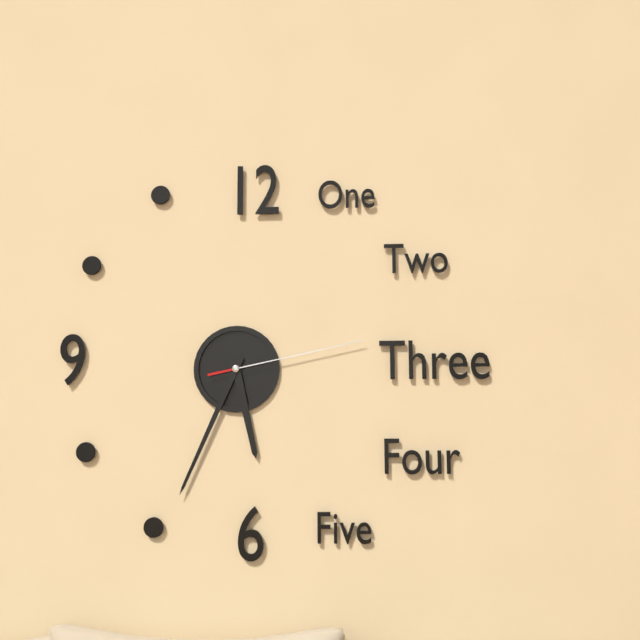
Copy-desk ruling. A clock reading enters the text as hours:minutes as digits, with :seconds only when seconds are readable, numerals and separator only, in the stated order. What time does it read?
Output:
5:34:13
